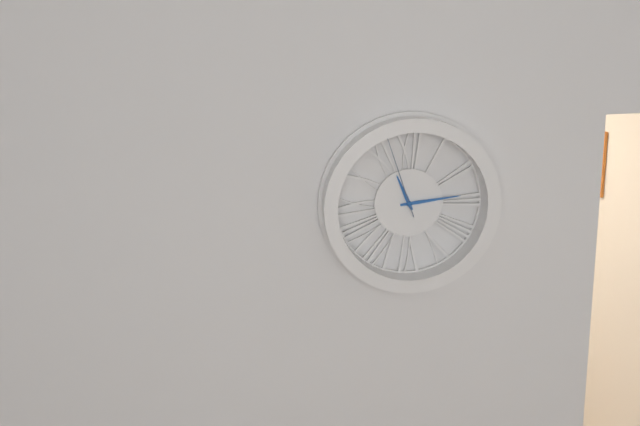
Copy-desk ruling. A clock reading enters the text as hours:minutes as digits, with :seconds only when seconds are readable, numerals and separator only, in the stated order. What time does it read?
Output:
11:14:57
